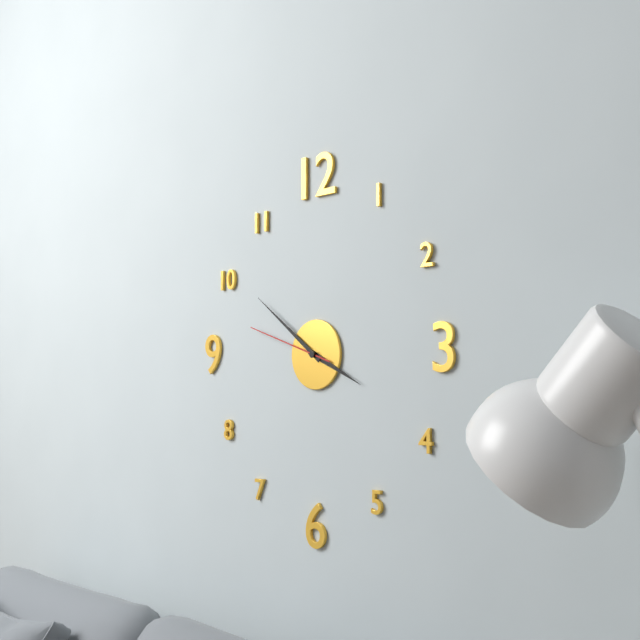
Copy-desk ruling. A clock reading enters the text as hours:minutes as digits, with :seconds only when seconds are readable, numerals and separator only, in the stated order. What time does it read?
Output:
3:51:48
